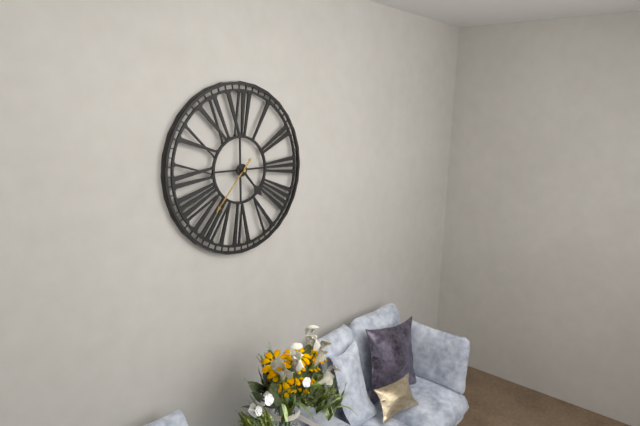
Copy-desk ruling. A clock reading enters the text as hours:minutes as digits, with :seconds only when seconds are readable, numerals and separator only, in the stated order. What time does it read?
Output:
4:37
